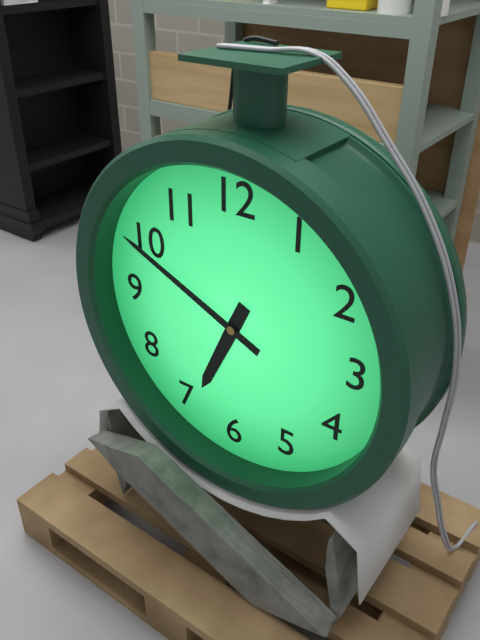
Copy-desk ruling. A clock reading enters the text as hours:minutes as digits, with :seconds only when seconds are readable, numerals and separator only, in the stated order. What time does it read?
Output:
6:49
